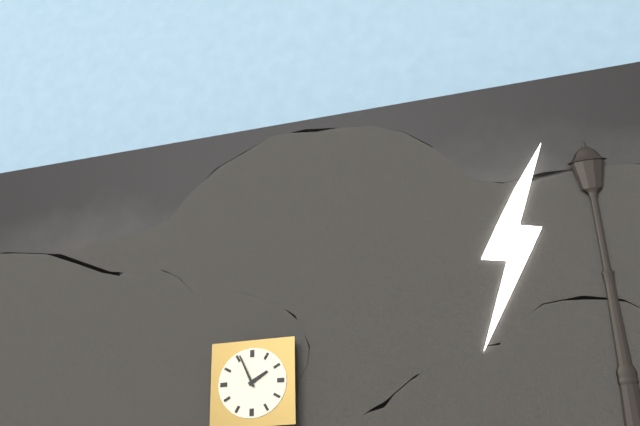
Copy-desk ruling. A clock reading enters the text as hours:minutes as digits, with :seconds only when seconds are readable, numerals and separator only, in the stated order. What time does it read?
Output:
1:56
